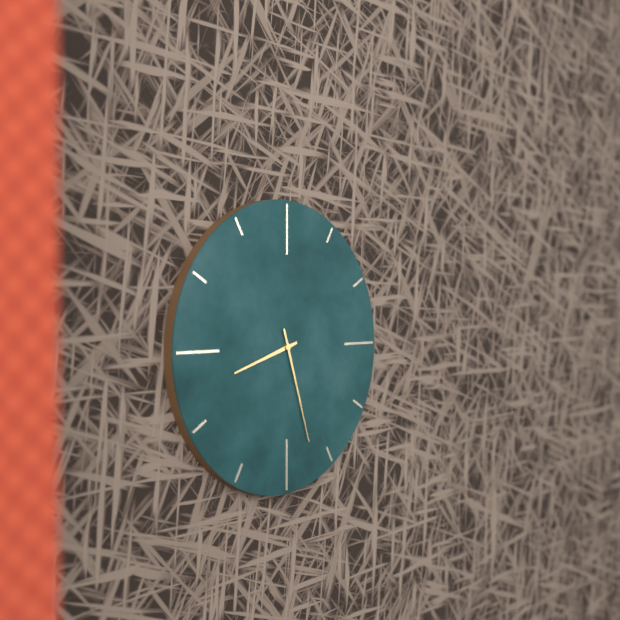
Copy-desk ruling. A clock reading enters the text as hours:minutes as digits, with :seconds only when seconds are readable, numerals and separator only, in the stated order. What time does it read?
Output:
8:27
